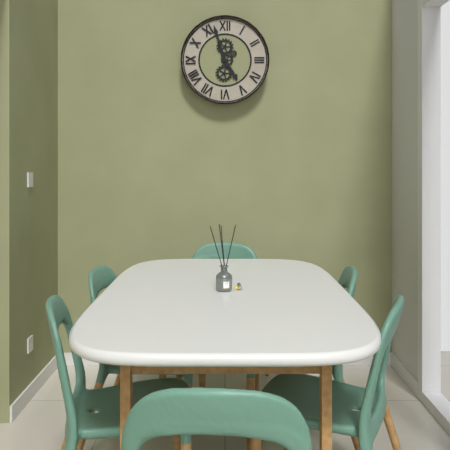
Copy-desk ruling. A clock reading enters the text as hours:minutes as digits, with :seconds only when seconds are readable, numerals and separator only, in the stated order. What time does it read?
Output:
4:57
